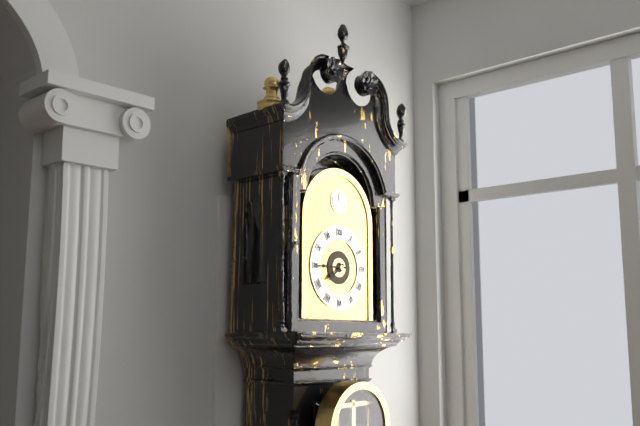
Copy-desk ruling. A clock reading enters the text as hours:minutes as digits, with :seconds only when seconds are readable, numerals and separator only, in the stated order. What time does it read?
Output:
7:45
